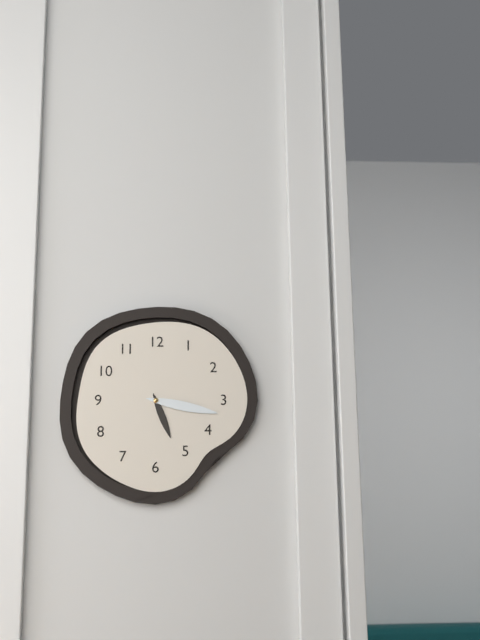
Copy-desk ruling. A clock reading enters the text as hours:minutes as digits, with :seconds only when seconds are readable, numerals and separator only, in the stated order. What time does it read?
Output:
5:17
